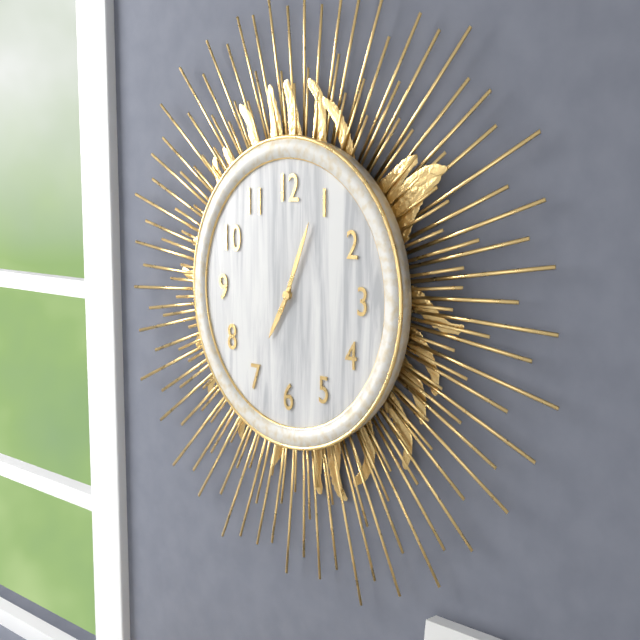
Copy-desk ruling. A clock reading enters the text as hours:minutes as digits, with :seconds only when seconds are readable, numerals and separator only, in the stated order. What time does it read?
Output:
7:04
